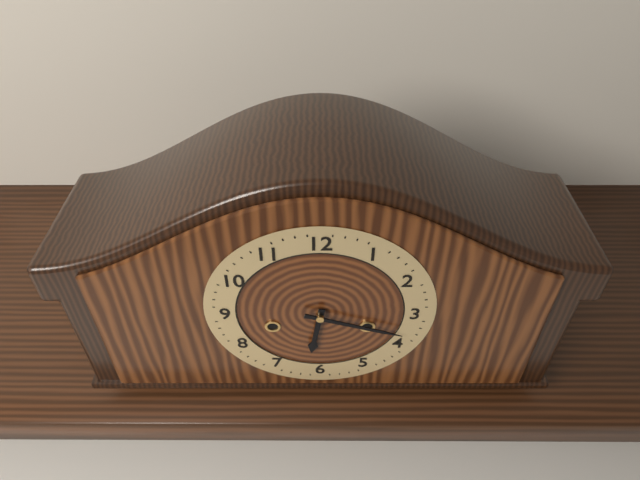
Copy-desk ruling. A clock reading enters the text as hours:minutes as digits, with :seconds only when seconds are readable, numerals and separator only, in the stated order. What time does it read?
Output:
6:18
